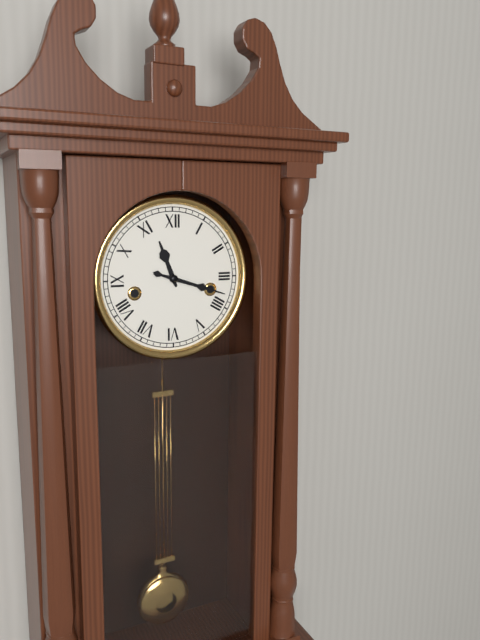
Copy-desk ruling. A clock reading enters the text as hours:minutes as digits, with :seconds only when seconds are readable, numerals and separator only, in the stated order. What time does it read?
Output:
11:18
